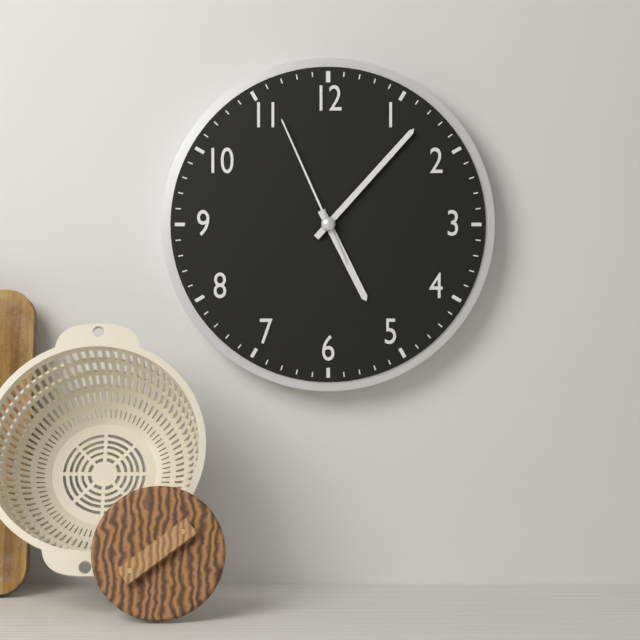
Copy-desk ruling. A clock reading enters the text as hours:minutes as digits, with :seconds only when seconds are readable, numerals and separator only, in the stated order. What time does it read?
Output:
5:07:56
